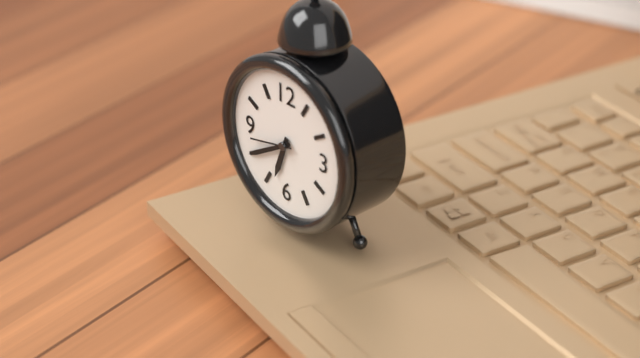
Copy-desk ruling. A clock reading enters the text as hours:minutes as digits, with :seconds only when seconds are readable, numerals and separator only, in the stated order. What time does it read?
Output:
6:40:43
